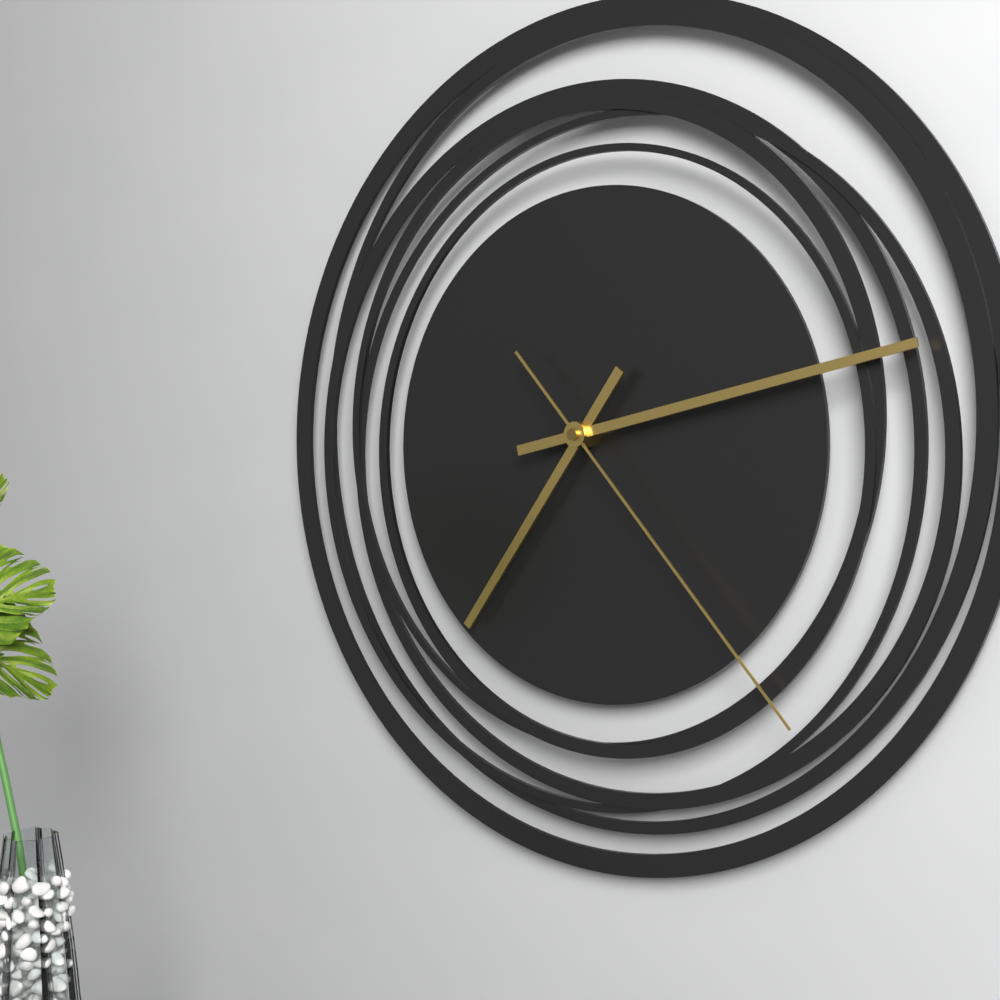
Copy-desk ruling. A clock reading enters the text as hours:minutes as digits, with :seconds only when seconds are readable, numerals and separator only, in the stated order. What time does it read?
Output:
7:13:23
